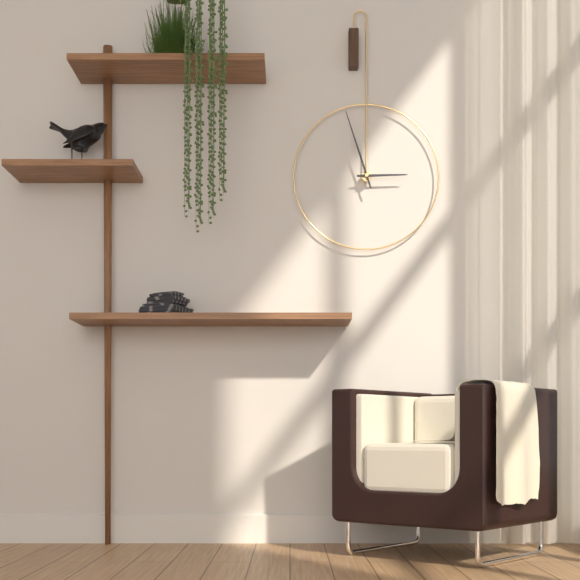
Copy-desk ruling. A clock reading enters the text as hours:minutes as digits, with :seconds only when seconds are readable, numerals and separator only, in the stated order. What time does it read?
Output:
2:57
